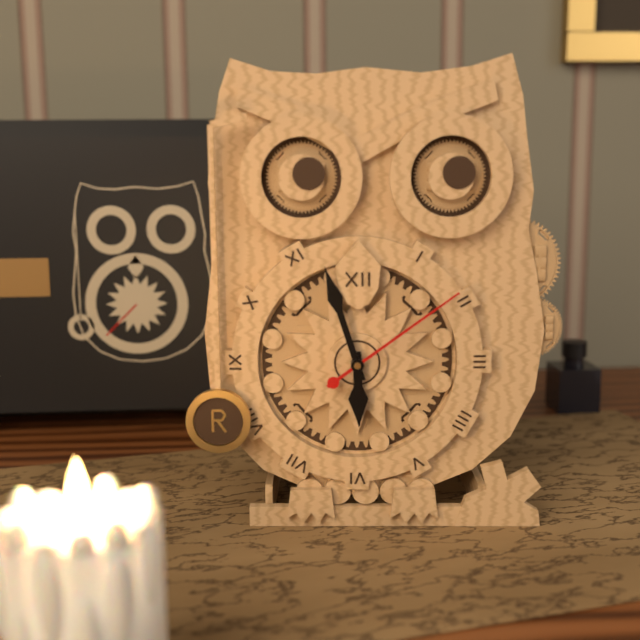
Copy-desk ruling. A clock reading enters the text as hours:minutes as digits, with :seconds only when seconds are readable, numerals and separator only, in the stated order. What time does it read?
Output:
5:57:09
